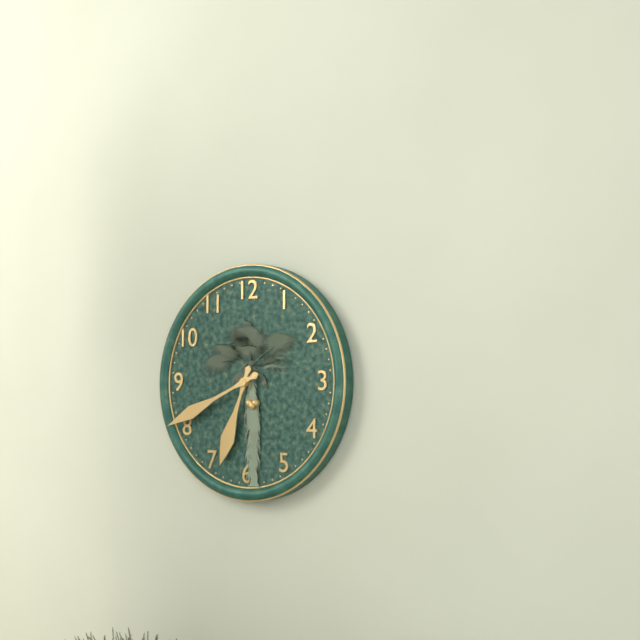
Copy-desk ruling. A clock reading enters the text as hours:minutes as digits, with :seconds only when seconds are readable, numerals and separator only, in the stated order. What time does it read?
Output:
6:41
